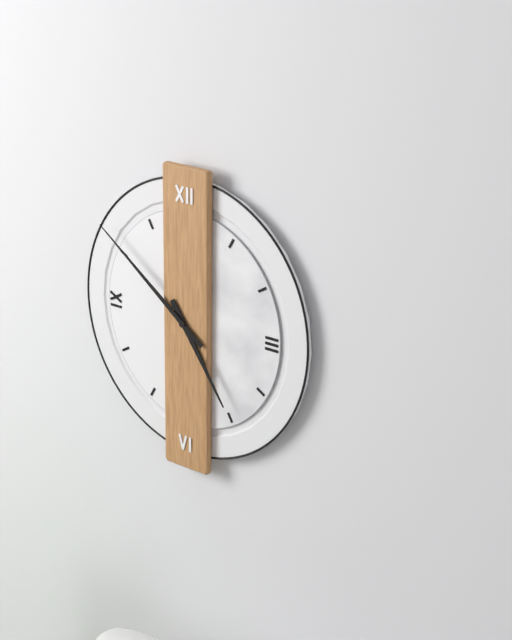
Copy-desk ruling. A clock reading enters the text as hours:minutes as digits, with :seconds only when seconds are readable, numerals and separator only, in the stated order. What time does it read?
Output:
4:51
